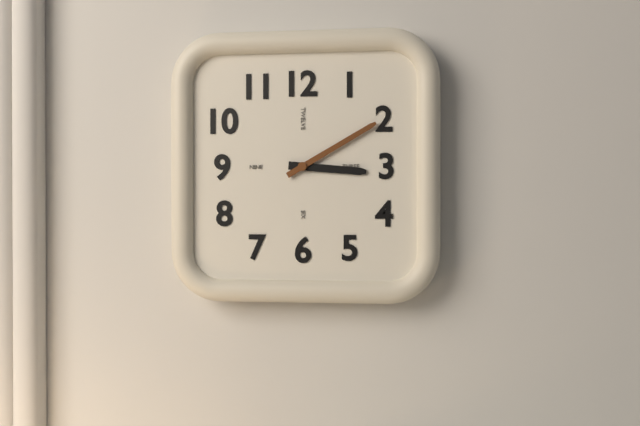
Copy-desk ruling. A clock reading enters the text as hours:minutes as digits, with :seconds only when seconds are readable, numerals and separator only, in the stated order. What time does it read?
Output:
3:10
